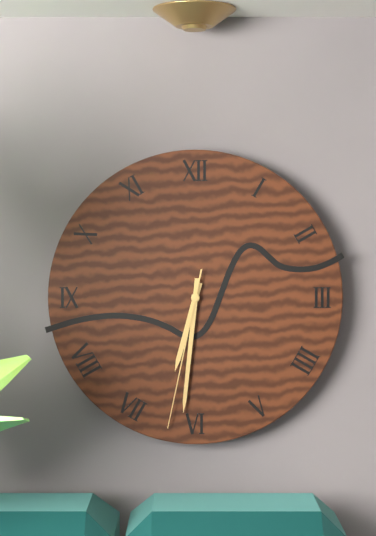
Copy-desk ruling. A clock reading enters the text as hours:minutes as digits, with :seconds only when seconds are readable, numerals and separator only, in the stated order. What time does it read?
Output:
6:31:32
